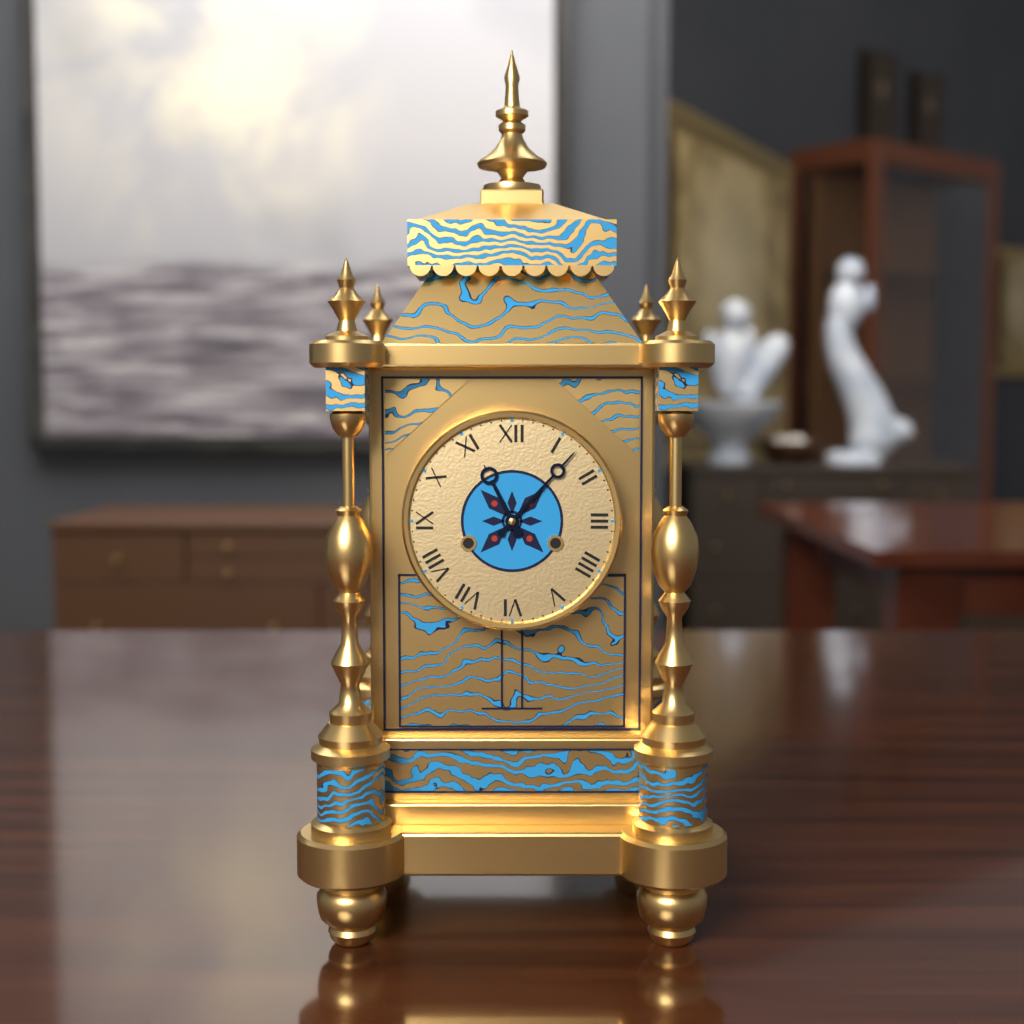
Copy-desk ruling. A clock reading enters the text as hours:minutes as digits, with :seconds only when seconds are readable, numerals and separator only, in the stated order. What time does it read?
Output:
11:07
